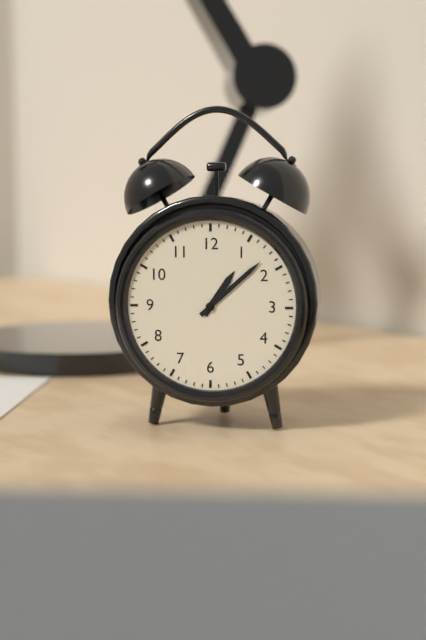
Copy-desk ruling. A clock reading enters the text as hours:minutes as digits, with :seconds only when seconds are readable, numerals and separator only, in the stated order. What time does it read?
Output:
1:08
